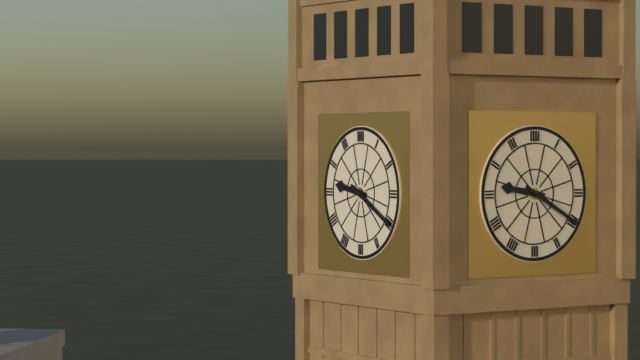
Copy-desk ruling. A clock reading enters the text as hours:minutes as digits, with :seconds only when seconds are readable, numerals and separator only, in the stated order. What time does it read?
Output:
9:20
